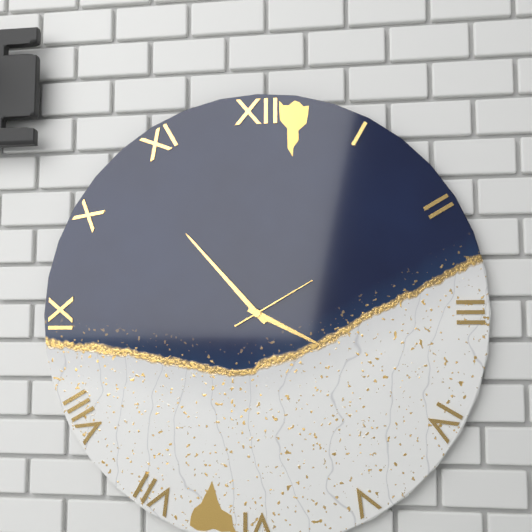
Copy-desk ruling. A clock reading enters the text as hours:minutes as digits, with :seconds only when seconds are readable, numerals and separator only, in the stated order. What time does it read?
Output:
3:53:10
